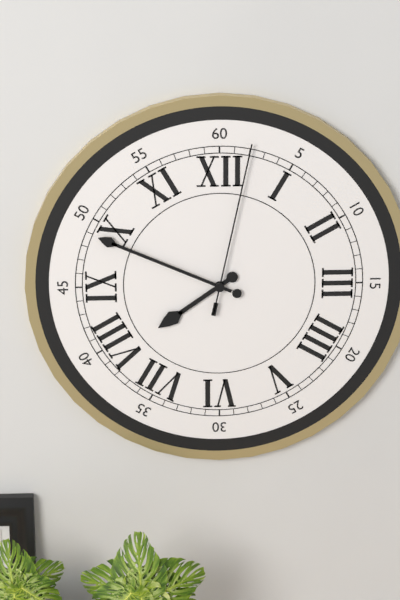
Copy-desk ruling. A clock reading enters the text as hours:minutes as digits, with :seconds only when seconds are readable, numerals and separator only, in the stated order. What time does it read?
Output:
7:49:02
